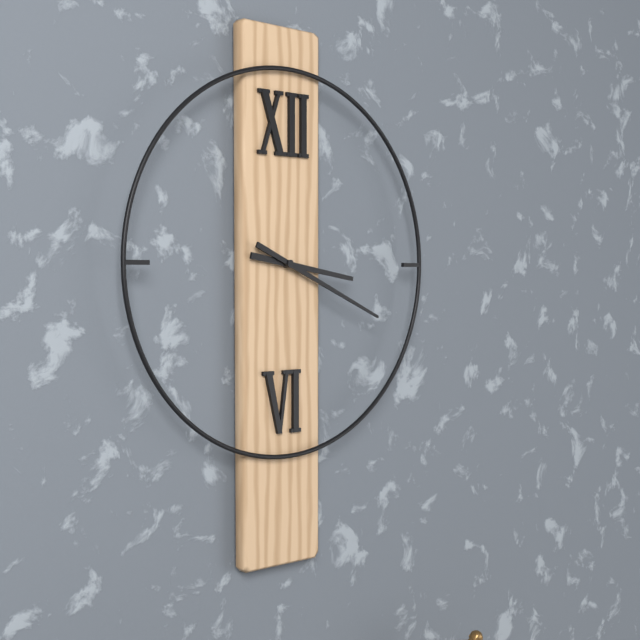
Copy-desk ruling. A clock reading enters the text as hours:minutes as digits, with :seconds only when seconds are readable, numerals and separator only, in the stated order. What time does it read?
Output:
3:19
